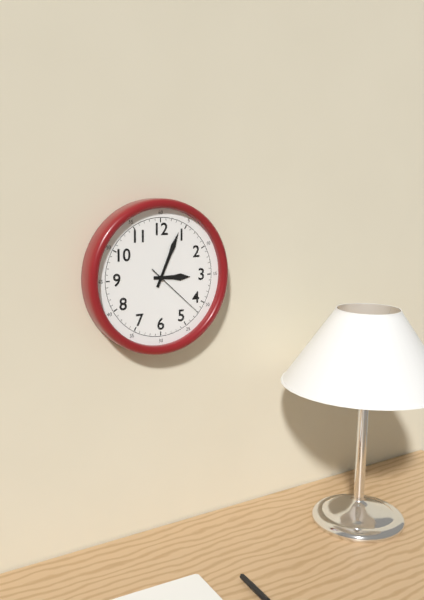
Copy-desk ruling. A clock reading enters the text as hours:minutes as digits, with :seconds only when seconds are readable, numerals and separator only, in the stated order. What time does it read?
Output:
3:04:22
